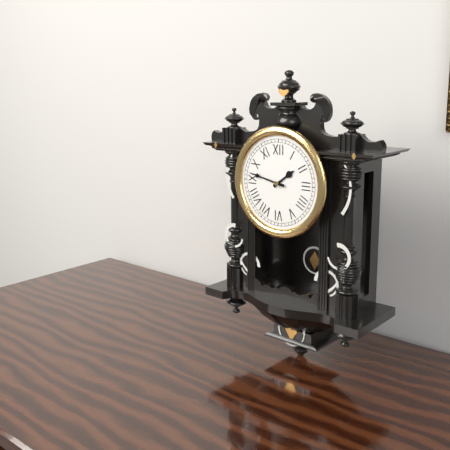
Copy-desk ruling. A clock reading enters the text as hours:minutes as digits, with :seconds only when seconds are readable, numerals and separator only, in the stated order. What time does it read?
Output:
1:47
